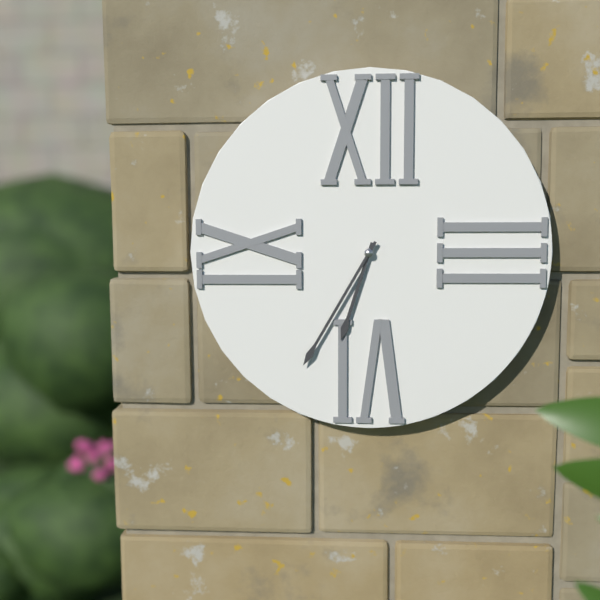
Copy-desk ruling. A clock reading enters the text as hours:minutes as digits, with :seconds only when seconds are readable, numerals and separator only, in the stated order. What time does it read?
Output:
6:35
